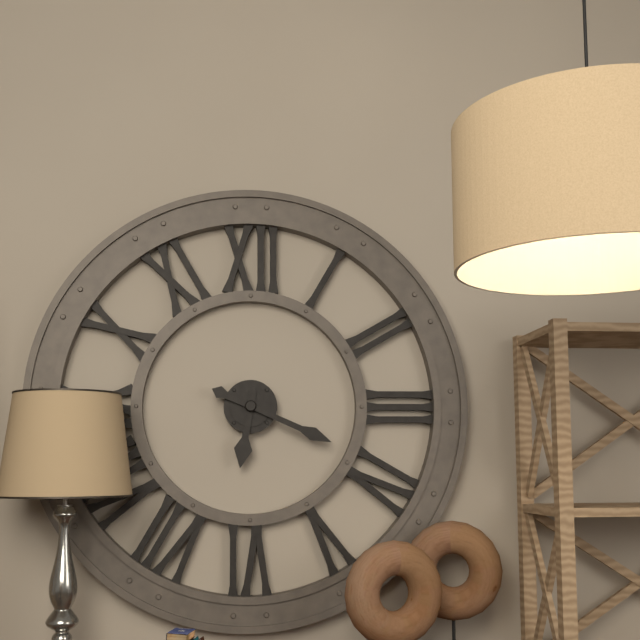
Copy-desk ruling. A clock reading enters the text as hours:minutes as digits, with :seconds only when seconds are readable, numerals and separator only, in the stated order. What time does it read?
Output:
6:19
